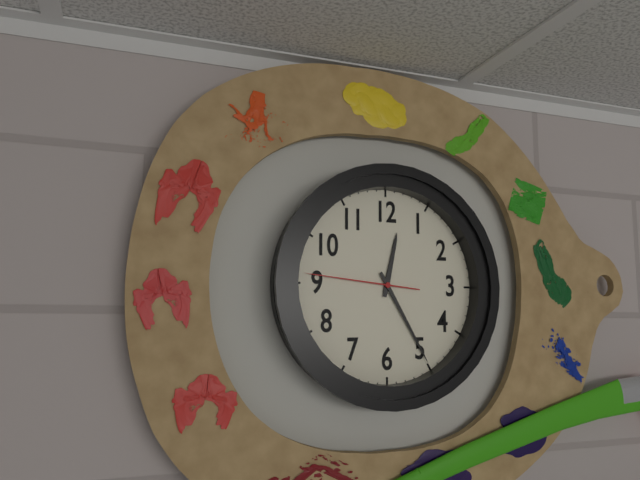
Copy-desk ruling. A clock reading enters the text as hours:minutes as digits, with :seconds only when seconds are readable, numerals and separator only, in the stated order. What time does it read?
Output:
12:25:46
